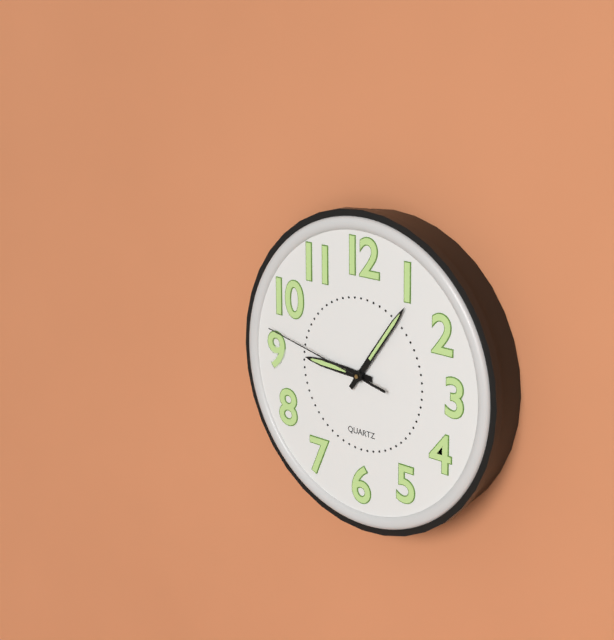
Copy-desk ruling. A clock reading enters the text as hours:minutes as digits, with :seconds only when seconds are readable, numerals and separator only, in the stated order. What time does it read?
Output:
9:06:47
